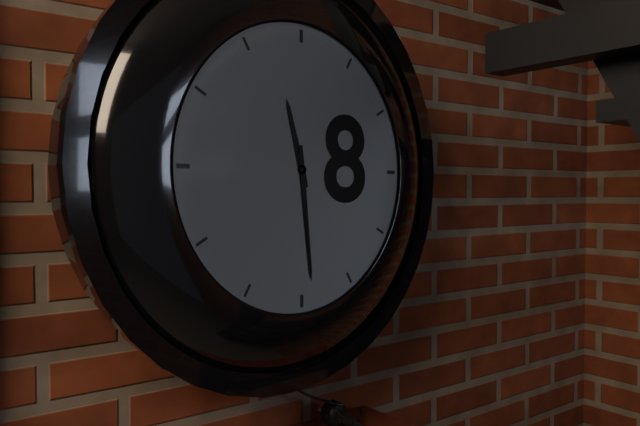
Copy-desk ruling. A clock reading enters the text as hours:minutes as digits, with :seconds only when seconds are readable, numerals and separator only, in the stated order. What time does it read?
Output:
11:29
